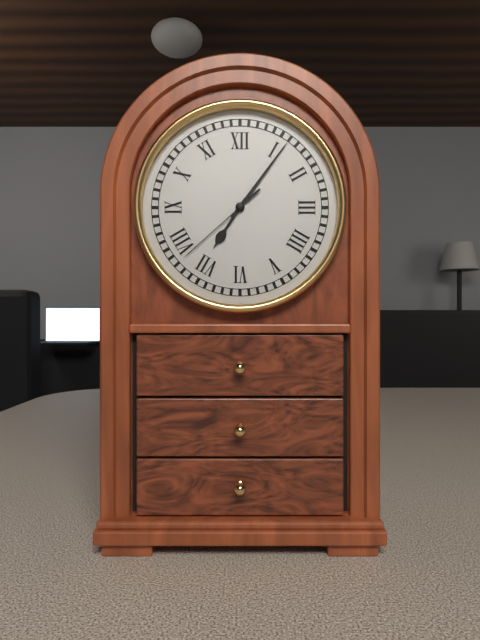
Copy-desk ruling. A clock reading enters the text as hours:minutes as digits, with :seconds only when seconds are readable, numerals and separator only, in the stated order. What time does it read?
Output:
7:06:38
